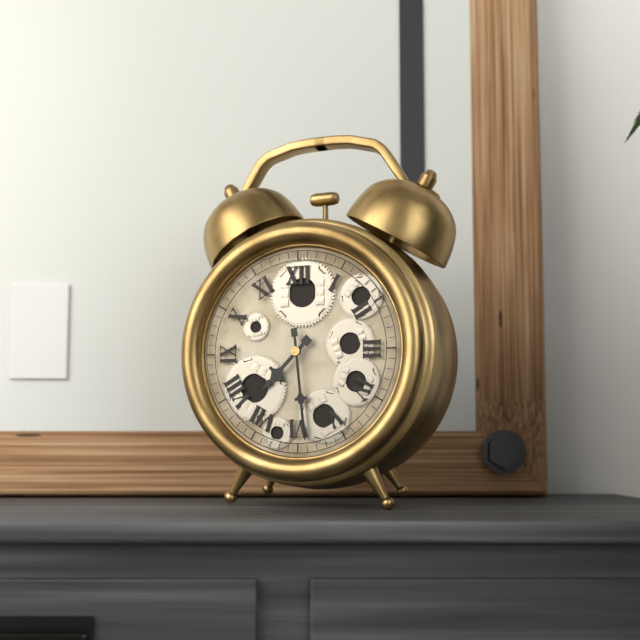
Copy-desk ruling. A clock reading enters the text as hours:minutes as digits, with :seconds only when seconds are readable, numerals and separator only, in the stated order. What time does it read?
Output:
7:29
